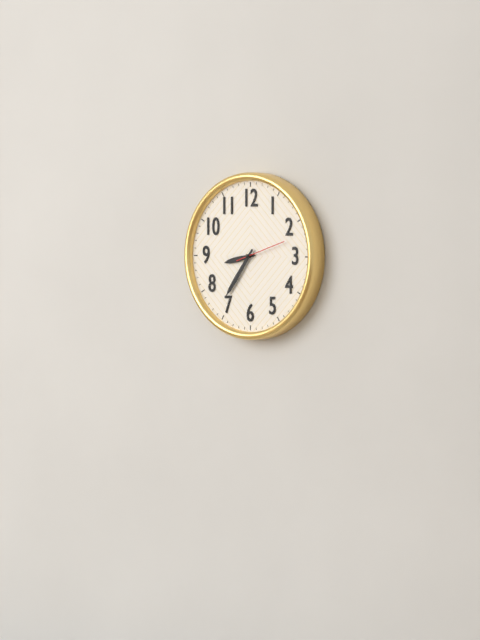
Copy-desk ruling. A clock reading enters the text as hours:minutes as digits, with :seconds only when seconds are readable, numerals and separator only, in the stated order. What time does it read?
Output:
8:36
